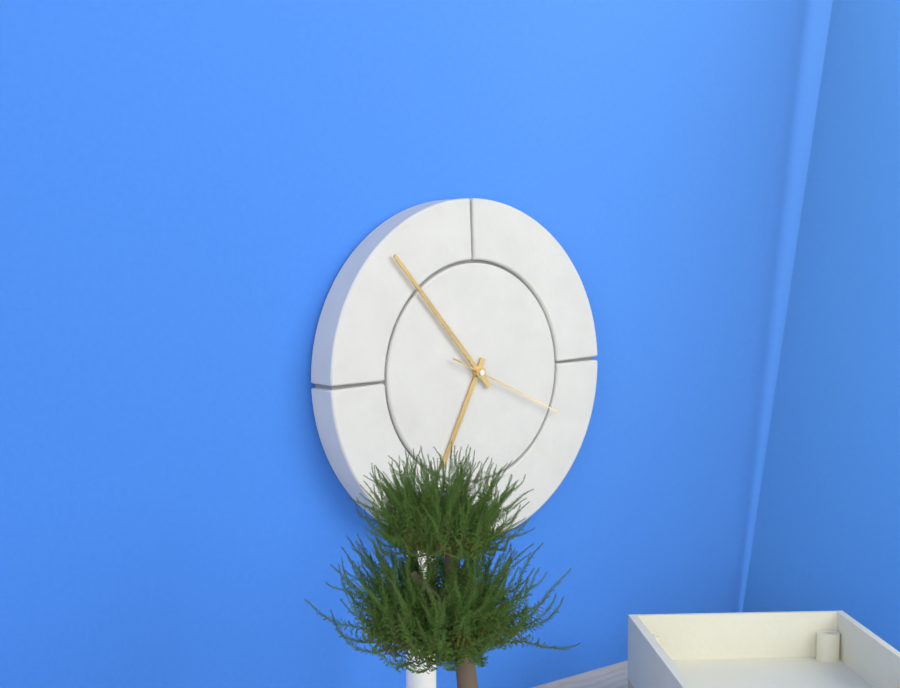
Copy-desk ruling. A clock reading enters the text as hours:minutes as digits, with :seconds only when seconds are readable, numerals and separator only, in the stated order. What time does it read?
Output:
6:53:19
